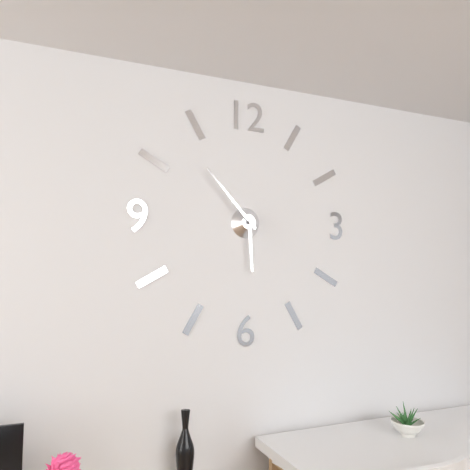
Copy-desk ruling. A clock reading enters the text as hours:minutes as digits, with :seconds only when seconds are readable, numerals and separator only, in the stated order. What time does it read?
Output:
5:53
